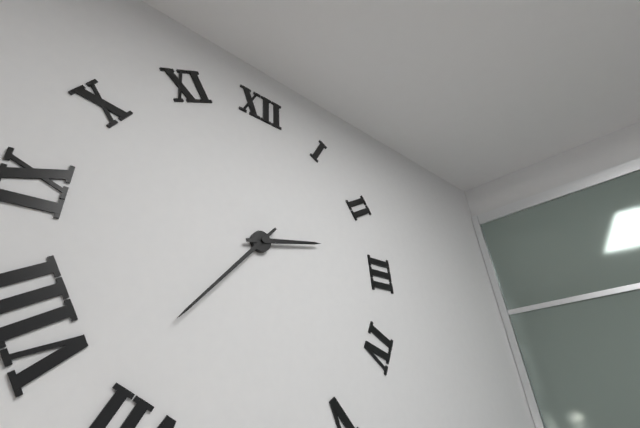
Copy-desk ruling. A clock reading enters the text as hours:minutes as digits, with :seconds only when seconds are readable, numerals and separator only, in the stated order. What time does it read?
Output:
2:37
